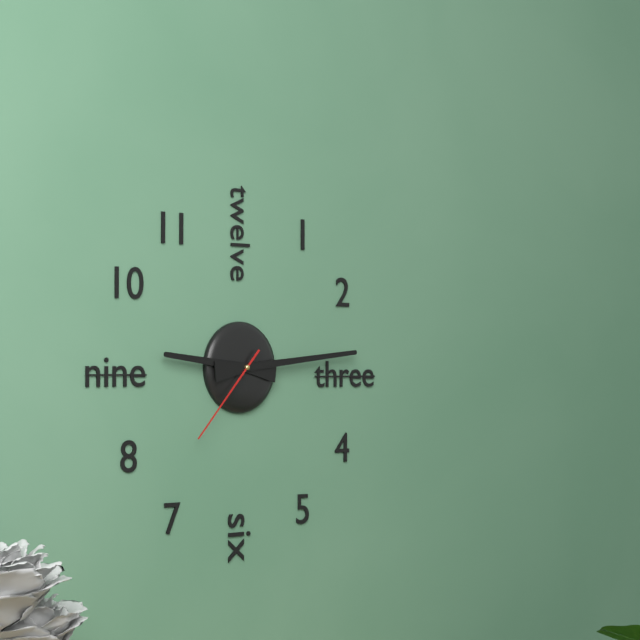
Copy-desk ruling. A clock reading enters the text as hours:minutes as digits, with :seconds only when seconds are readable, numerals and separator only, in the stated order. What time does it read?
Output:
9:14:37
